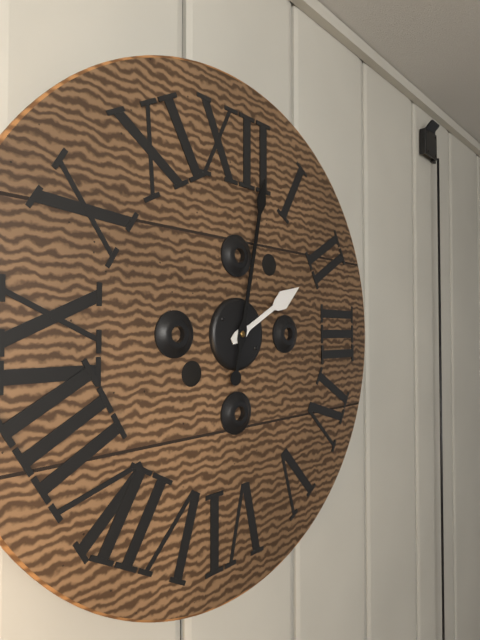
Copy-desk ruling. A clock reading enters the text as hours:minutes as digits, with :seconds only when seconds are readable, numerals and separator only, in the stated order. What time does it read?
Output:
2:02
